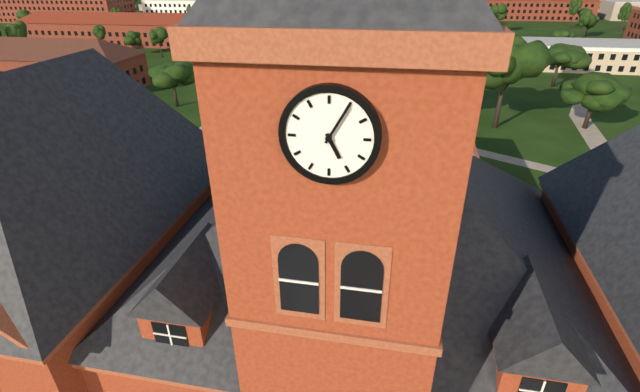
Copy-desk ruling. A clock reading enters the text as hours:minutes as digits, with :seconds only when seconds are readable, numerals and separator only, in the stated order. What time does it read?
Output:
5:05
